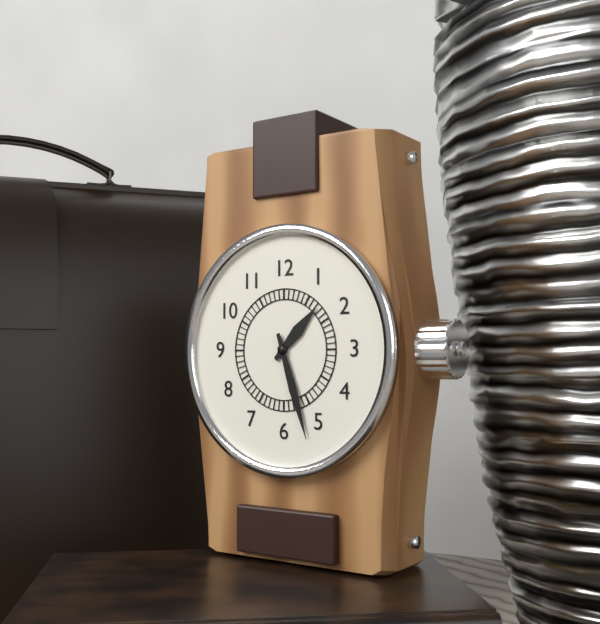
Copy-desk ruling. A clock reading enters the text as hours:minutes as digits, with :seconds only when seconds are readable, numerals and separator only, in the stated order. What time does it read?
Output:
1:27
